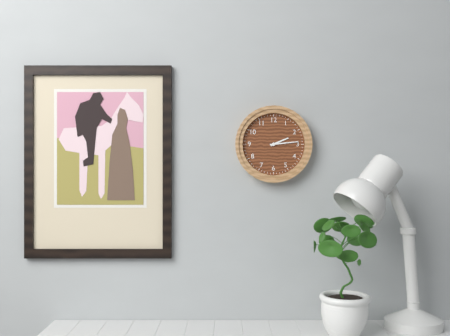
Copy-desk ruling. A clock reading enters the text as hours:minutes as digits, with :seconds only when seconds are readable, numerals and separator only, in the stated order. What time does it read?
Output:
2:14
